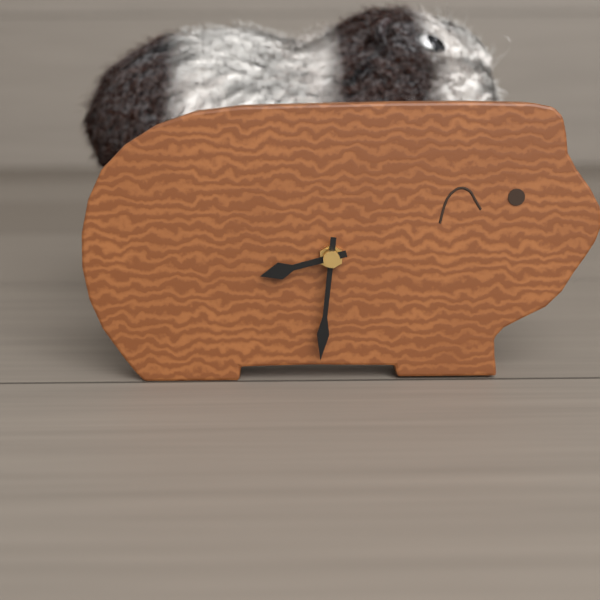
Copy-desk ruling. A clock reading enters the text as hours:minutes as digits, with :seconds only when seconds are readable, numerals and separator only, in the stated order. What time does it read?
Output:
8:31
